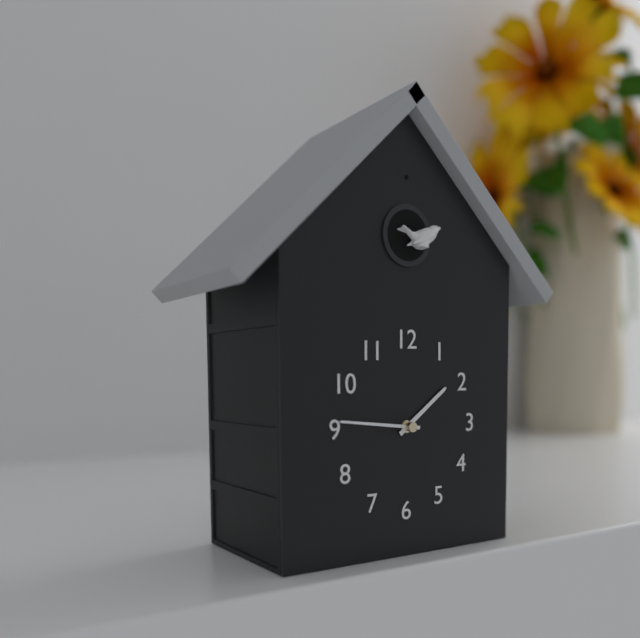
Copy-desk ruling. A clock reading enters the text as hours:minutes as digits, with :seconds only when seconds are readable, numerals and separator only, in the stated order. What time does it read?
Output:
1:46
